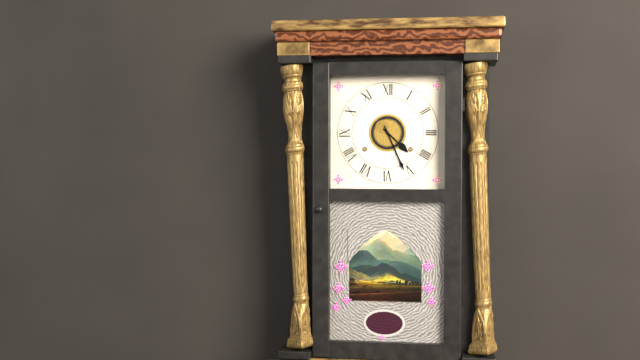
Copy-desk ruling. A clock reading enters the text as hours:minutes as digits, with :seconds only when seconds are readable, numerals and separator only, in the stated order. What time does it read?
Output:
4:26
